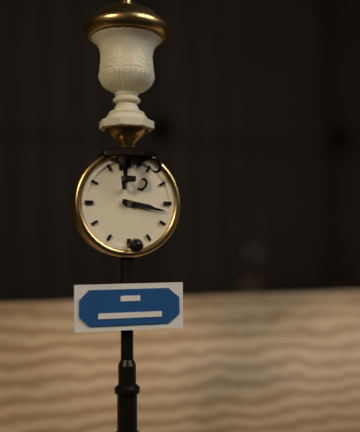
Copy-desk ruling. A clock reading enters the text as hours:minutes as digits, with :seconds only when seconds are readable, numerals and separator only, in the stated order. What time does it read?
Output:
3:17
